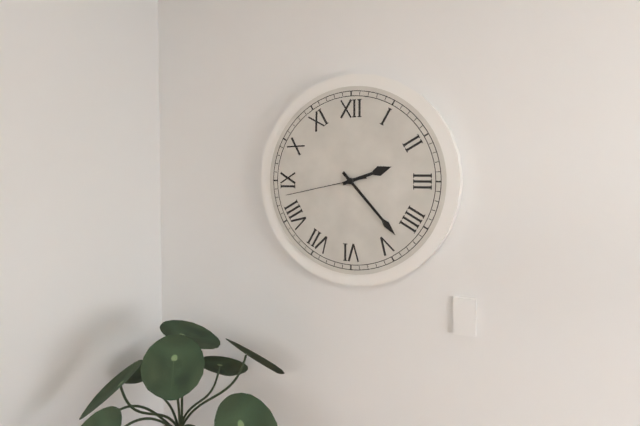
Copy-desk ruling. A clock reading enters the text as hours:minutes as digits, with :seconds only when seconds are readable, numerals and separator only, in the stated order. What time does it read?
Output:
2:23:43
